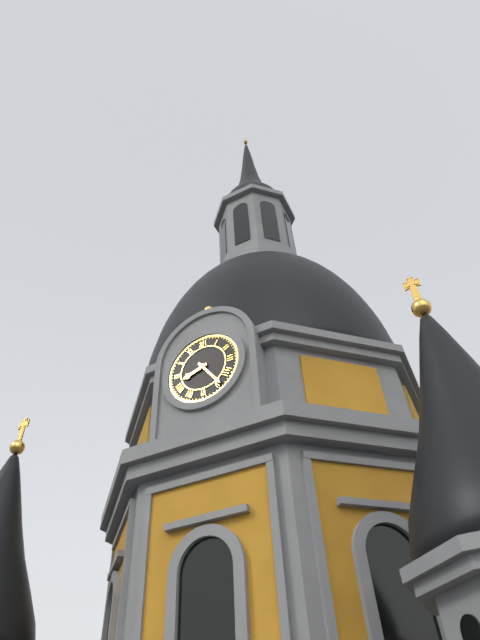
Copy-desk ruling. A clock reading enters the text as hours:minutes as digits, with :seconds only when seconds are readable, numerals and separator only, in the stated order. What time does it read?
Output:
8:24
